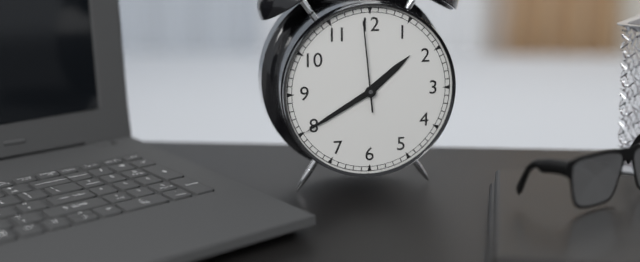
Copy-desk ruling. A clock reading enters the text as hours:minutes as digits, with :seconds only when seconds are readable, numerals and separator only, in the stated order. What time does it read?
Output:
1:40:59
